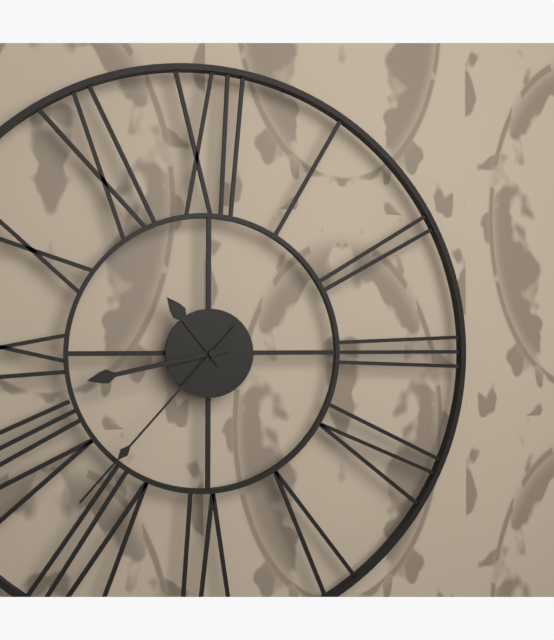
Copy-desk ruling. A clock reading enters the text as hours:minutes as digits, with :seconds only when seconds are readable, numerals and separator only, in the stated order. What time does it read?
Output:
10:43:37
